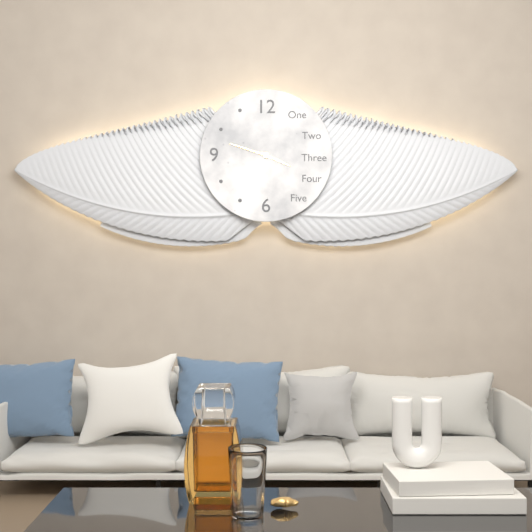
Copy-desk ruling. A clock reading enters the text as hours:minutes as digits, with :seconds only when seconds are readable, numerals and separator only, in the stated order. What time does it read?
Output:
3:48
